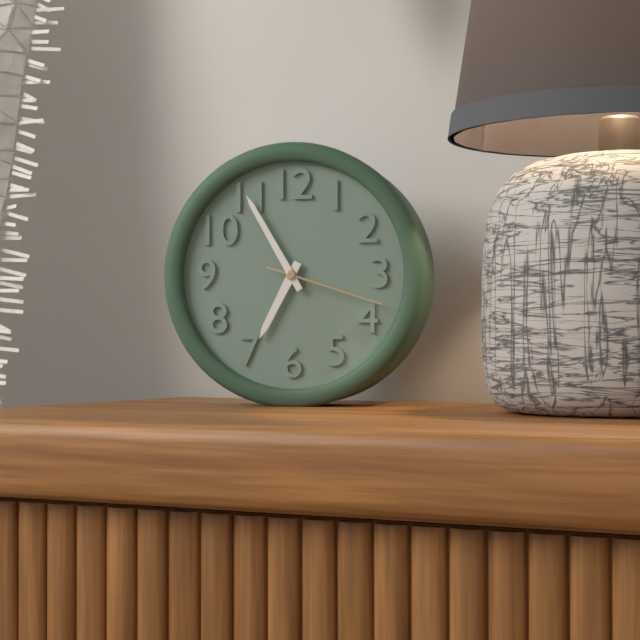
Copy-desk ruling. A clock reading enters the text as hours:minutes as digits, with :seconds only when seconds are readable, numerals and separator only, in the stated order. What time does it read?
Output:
6:55:18
